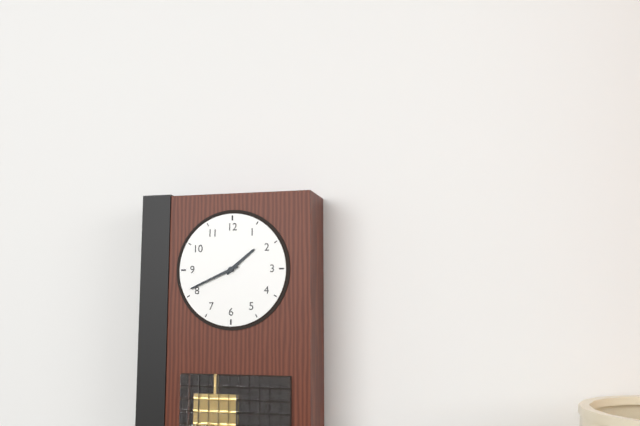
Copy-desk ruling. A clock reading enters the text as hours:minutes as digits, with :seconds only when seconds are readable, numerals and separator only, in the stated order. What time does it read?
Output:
1:41
